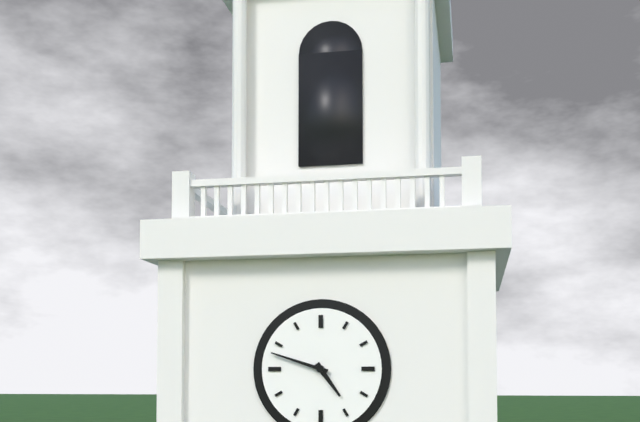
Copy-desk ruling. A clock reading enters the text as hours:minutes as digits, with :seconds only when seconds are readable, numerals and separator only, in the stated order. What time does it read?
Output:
4:48
